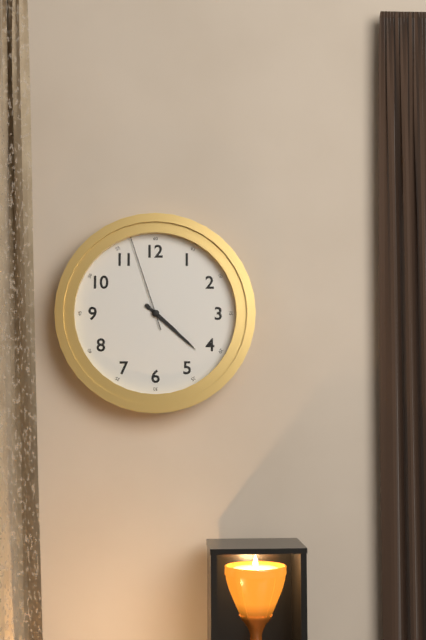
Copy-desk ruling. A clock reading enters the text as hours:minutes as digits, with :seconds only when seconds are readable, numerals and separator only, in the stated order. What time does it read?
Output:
4:22:57
